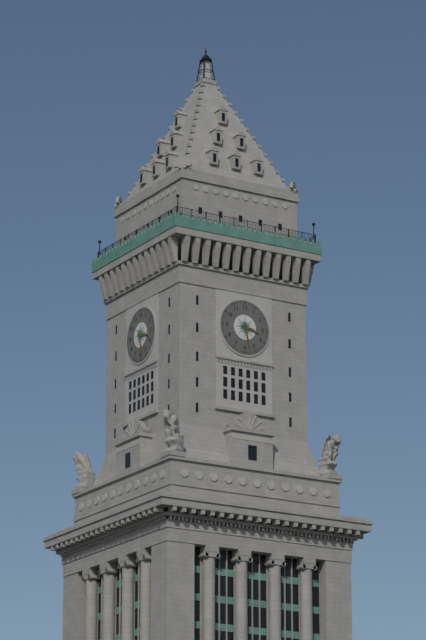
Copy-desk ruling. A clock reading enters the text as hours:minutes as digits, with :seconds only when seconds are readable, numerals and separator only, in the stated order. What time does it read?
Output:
3:28
